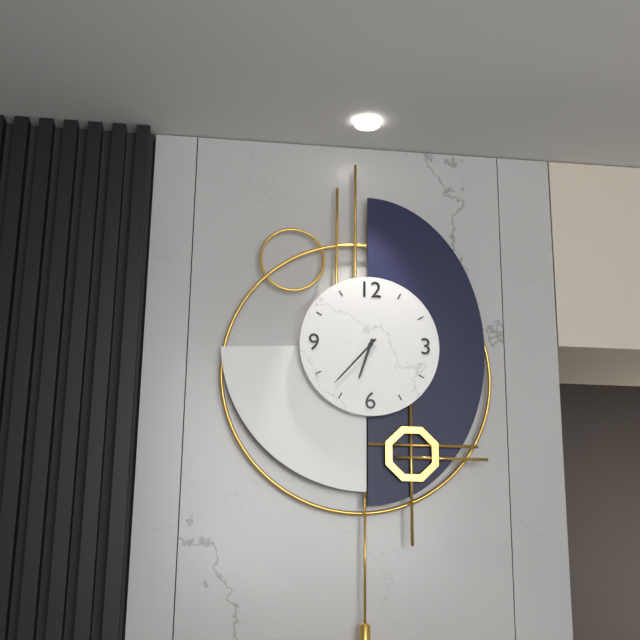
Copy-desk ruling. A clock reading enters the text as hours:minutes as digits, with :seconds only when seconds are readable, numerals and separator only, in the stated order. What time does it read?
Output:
6:37
